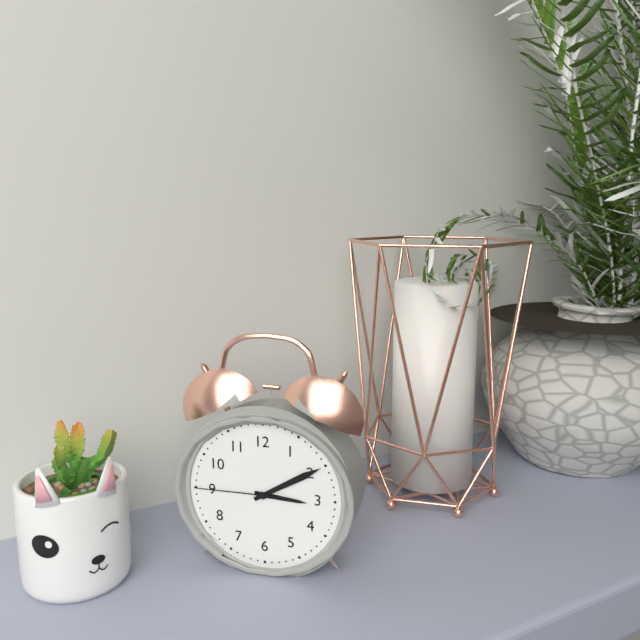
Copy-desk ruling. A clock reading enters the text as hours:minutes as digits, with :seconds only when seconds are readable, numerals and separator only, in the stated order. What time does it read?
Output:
3:10:45
